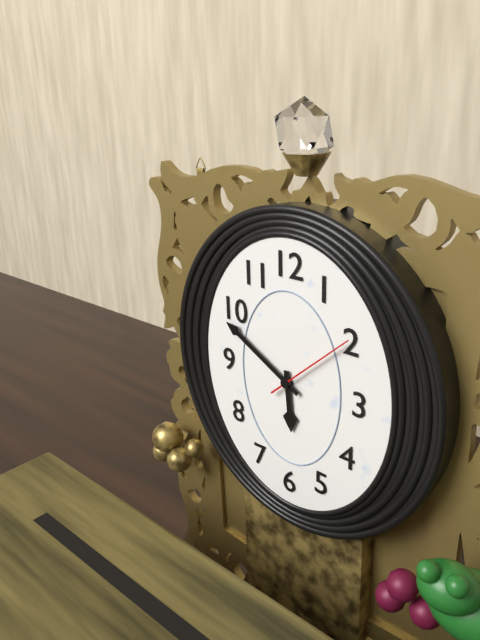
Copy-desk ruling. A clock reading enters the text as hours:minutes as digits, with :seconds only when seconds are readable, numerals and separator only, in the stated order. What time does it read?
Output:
5:50:08
